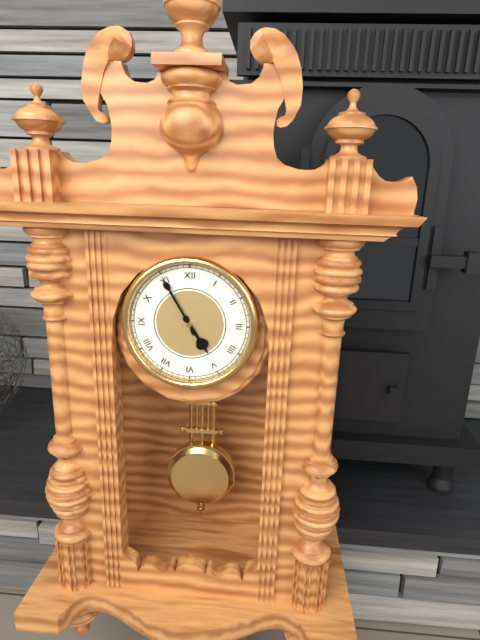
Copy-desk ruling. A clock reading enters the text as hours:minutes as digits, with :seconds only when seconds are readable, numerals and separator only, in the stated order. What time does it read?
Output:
4:55
